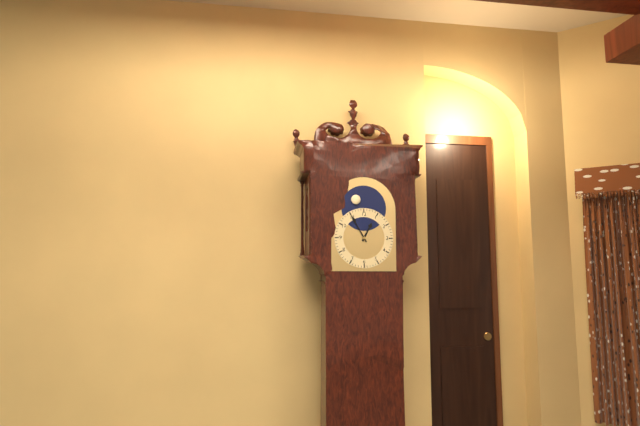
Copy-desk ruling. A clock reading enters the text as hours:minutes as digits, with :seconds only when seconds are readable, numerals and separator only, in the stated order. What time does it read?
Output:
12:55
